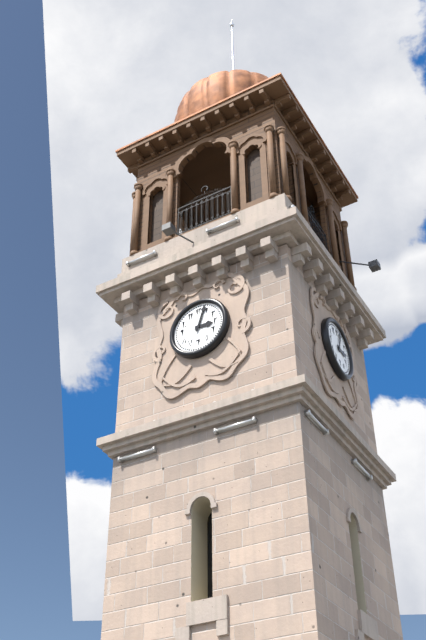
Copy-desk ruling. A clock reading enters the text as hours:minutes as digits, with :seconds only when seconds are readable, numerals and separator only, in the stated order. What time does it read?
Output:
3:03
